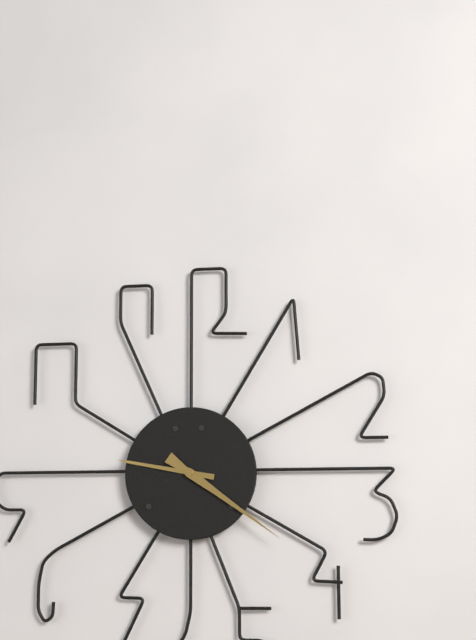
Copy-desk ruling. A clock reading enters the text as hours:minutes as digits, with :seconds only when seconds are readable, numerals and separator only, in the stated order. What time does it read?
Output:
9:21
